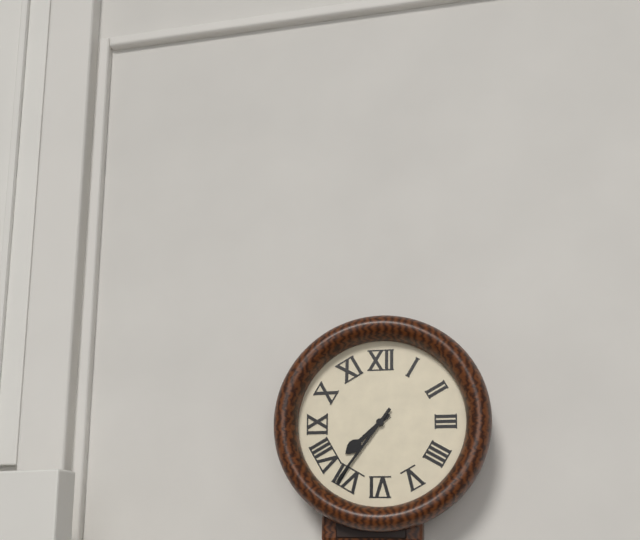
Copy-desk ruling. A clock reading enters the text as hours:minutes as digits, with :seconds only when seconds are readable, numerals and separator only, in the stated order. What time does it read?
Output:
7:36
